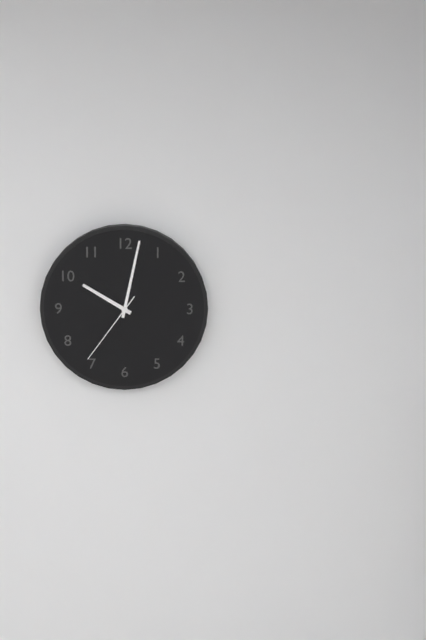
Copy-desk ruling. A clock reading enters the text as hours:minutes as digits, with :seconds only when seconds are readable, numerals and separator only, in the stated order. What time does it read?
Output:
10:02:36
